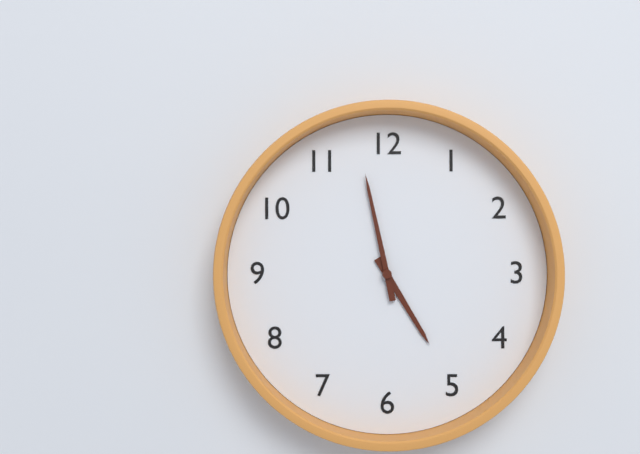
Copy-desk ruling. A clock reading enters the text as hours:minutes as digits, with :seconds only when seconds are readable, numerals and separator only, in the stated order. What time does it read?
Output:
4:58
